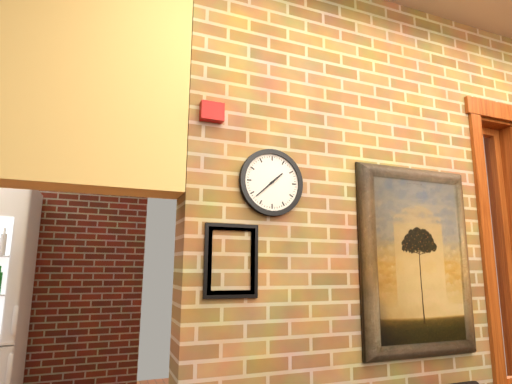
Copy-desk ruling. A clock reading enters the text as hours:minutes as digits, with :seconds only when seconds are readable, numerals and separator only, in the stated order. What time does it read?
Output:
1:38
